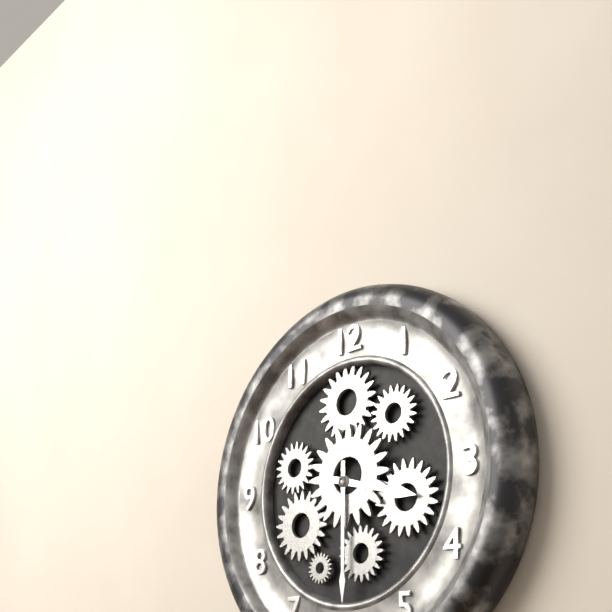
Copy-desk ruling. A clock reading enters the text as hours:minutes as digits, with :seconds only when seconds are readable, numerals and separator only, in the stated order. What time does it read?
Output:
3:30
